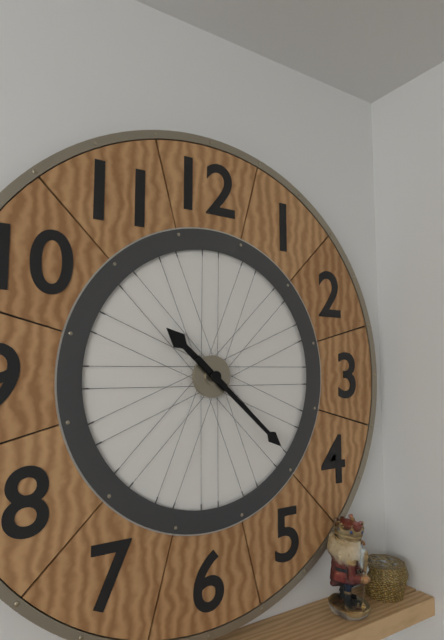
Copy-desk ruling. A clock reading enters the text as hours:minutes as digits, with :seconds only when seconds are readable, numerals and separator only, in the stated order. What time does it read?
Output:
10:22
